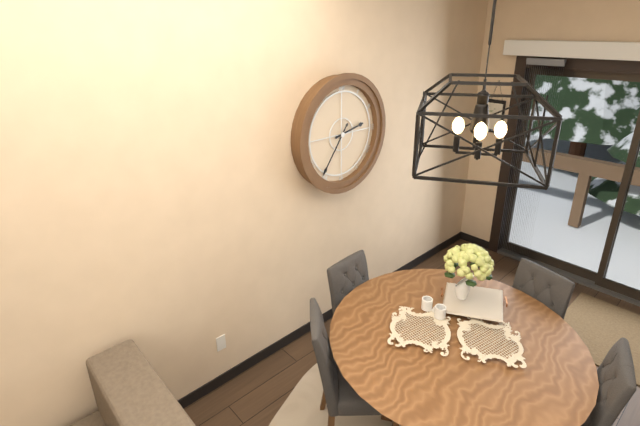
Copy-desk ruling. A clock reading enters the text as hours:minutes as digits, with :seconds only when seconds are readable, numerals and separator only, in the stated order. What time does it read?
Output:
2:36
